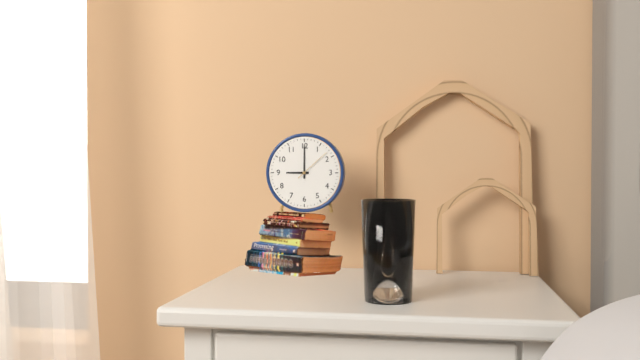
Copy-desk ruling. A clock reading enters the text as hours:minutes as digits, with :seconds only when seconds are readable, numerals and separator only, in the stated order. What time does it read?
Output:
9:00
